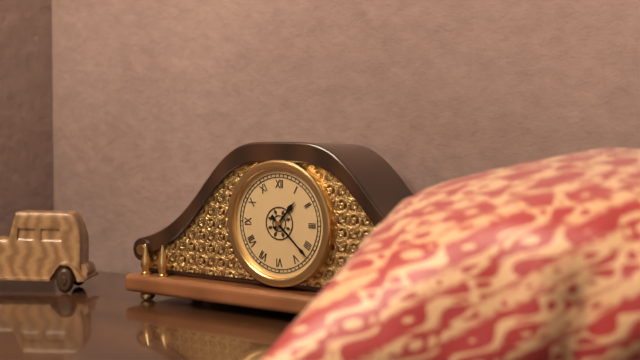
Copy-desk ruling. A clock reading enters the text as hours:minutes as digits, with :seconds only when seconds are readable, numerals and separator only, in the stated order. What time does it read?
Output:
1:22
